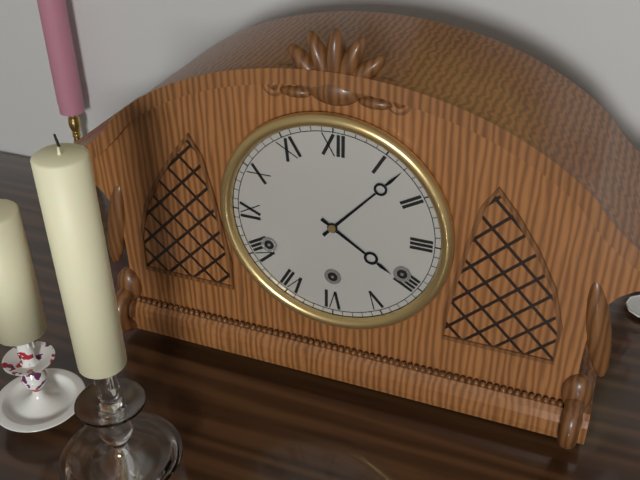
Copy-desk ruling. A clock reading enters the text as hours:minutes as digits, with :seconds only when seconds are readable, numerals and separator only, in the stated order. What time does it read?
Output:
4:07
